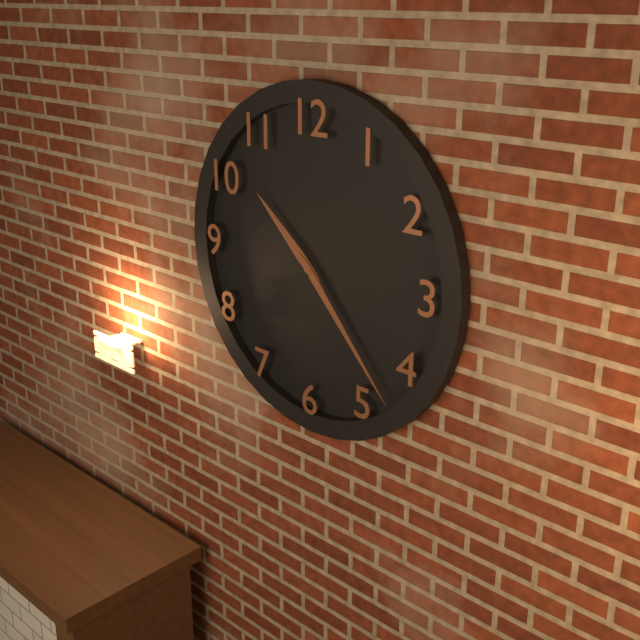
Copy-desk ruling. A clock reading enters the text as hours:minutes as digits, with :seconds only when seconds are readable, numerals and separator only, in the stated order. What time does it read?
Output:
10:23
